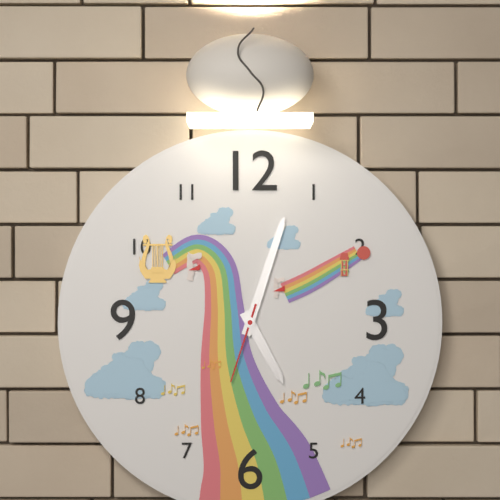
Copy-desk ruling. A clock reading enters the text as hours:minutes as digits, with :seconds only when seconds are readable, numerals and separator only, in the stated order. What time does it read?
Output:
5:03:33
